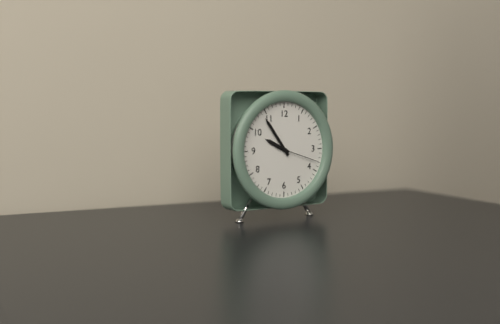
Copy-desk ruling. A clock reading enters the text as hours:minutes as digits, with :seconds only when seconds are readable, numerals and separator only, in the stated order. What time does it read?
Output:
9:54:18
